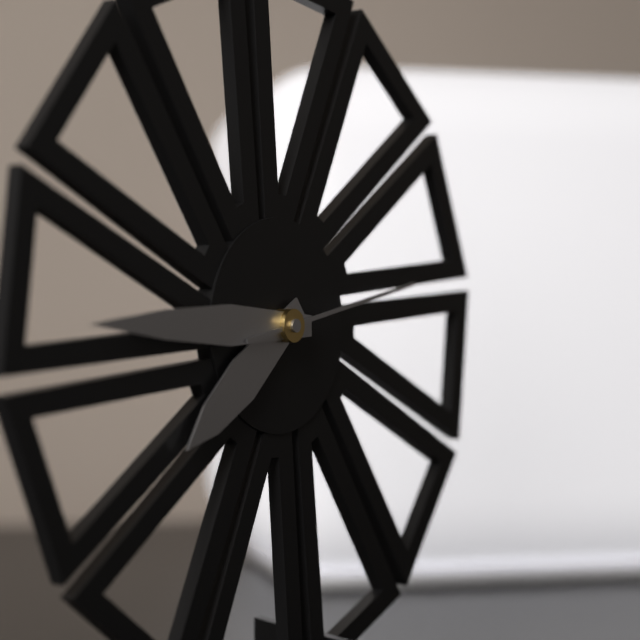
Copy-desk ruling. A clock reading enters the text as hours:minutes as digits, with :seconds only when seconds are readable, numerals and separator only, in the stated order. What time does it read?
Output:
7:45:13
